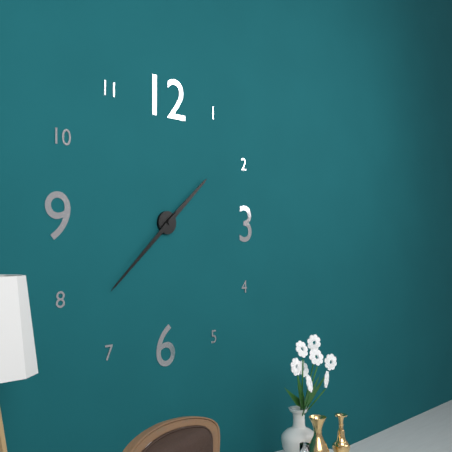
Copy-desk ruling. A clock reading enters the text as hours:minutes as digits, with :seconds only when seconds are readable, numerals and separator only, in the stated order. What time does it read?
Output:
1:38
